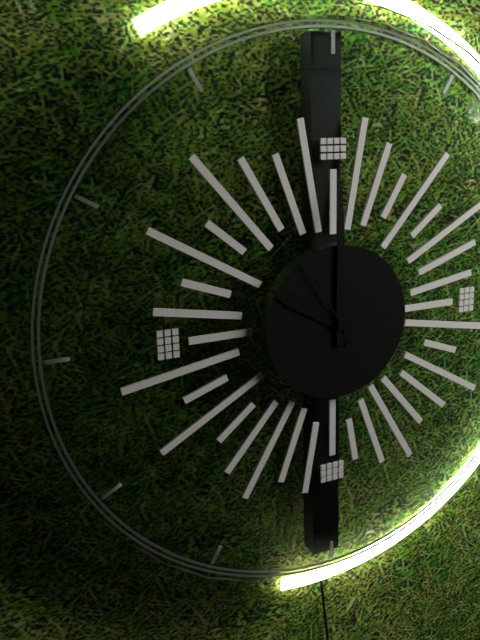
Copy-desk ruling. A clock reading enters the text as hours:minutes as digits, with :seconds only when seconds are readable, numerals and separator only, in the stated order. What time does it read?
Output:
10:00:55
